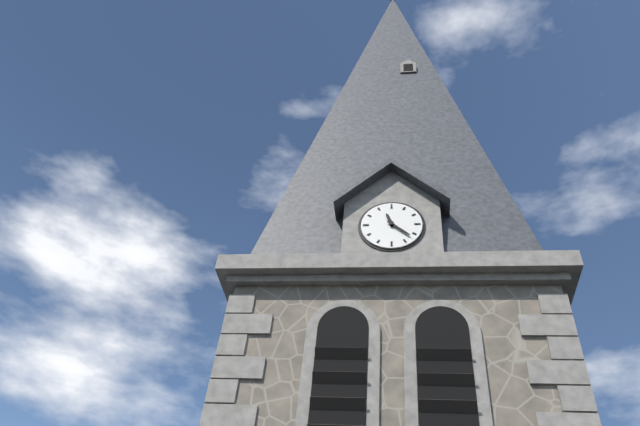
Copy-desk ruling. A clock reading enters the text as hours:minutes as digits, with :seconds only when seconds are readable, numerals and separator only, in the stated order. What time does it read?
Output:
11:22
